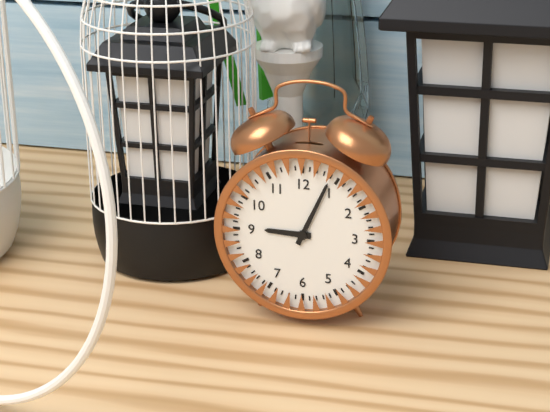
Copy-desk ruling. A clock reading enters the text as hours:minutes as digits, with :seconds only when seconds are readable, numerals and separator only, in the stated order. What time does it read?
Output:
9:04
